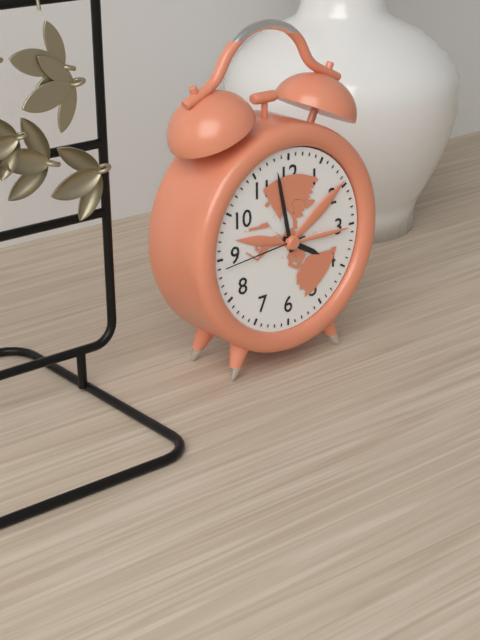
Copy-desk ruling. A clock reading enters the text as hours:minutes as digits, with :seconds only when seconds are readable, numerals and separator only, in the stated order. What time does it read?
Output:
3:58:44
